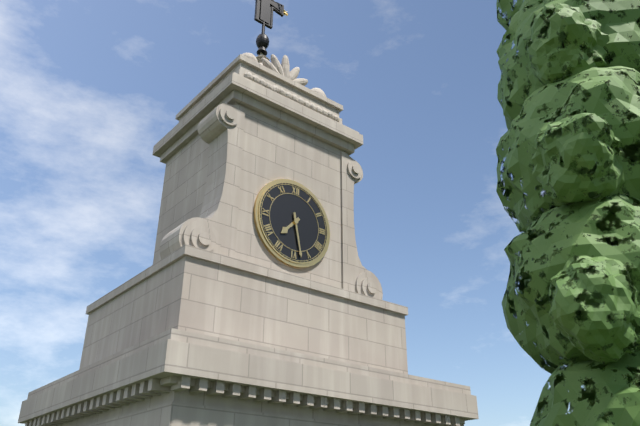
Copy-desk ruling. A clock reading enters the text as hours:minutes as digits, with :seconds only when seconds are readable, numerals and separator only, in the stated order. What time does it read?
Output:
7:28
